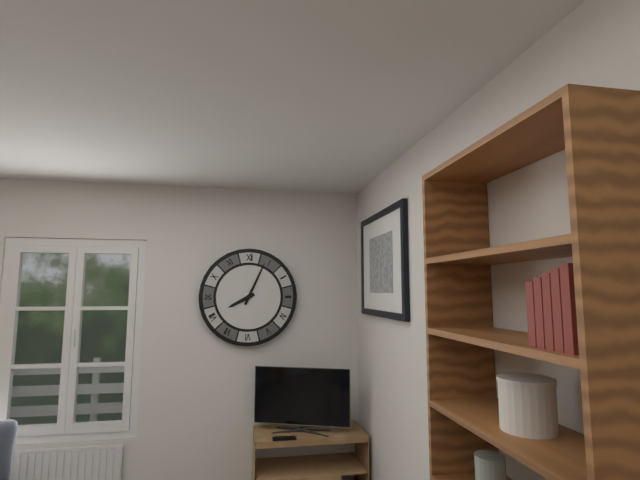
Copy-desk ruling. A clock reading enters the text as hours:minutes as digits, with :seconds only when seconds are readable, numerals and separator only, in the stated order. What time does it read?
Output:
8:04
